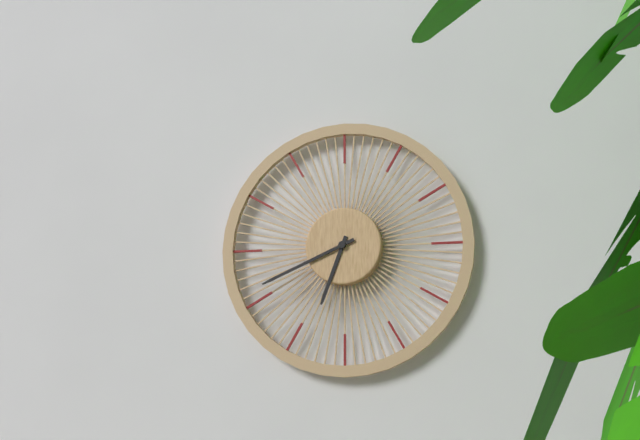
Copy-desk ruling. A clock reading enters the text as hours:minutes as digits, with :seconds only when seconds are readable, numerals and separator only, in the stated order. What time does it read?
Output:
6:41
